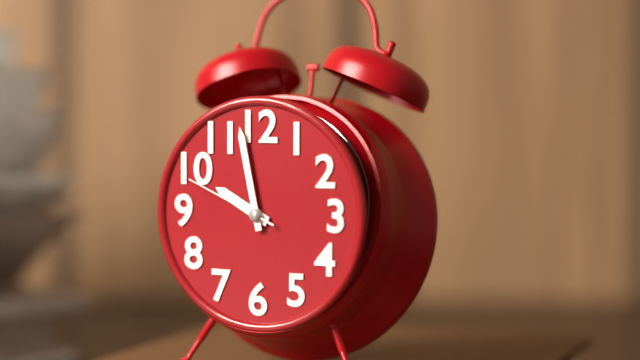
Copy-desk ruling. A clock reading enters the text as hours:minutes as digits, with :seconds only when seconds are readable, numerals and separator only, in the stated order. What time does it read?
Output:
9:58:49
